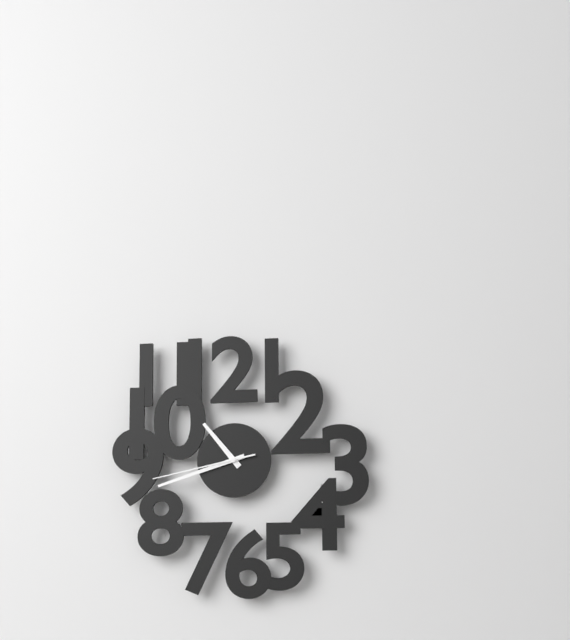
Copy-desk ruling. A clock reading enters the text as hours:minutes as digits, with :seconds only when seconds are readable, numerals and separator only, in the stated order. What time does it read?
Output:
10:42:43
